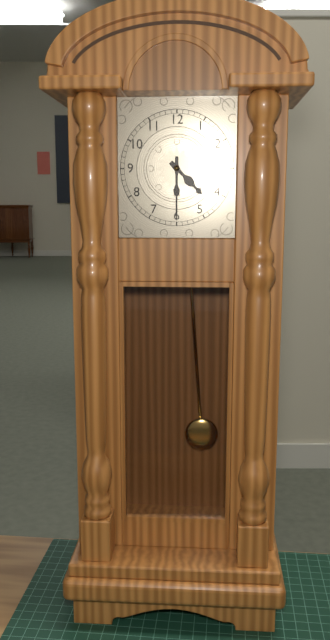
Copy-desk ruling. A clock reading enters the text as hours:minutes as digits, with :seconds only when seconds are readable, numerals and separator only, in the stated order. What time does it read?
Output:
4:30
